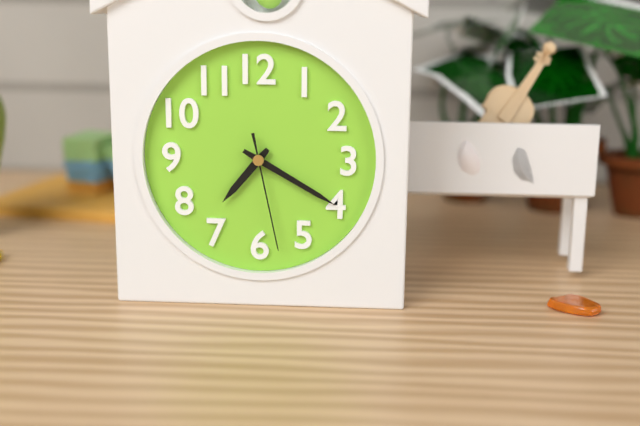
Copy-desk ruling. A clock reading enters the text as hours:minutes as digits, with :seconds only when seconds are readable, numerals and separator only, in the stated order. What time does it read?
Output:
7:20:28
